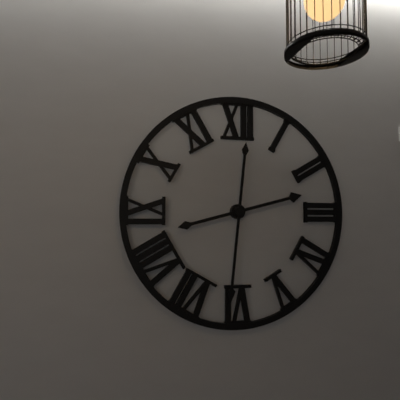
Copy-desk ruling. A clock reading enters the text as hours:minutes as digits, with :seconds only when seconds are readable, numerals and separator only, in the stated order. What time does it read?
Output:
2:31
